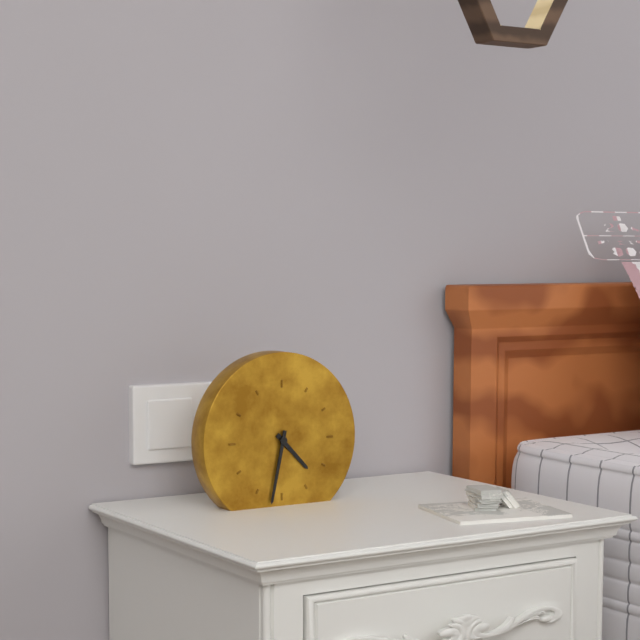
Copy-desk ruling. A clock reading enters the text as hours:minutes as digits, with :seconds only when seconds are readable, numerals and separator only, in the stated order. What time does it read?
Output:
4:32
